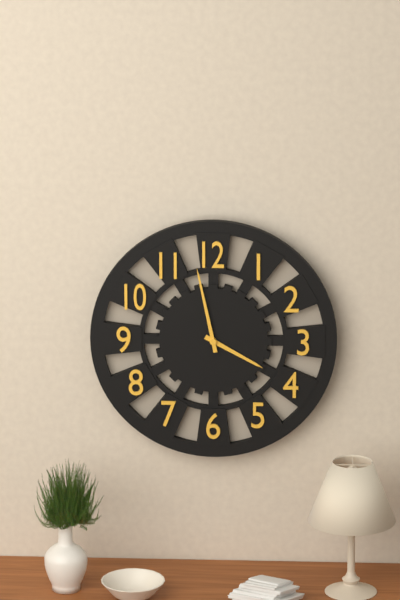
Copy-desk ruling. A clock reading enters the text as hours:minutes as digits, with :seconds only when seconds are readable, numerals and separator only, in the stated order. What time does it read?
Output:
3:58
